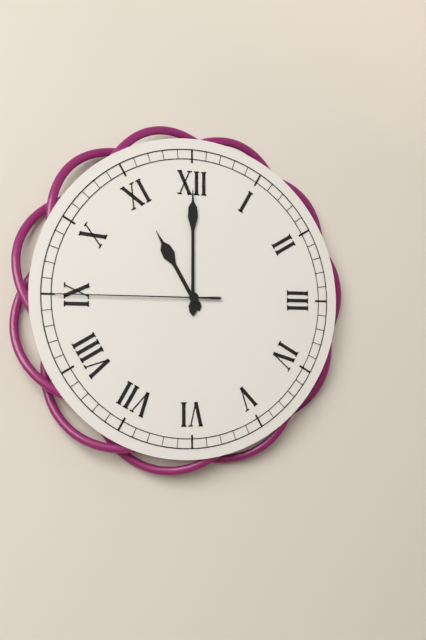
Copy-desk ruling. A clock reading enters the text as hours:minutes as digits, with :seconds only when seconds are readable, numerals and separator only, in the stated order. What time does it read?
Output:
11:00:45
